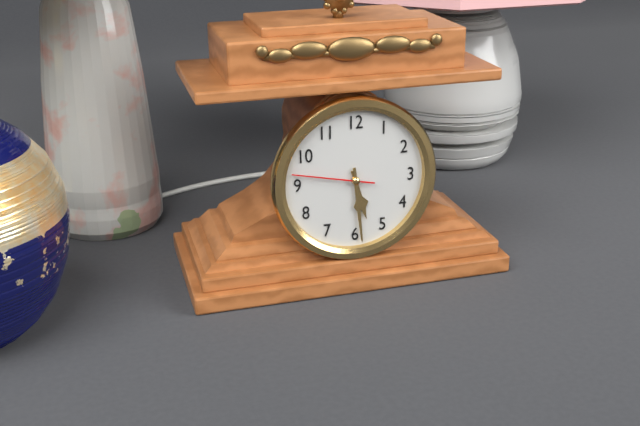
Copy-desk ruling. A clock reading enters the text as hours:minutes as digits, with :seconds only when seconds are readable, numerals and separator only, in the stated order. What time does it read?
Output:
5:29:47
